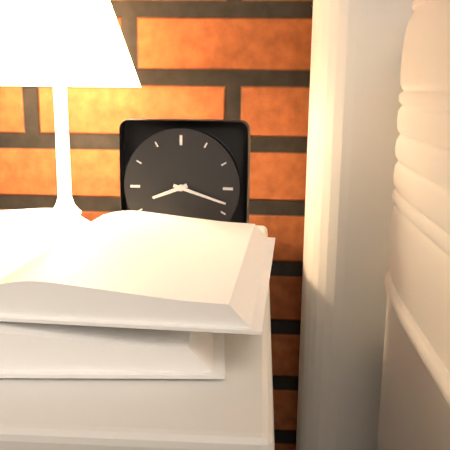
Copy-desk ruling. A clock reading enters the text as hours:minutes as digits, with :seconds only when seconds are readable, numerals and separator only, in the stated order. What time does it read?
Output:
8:18
